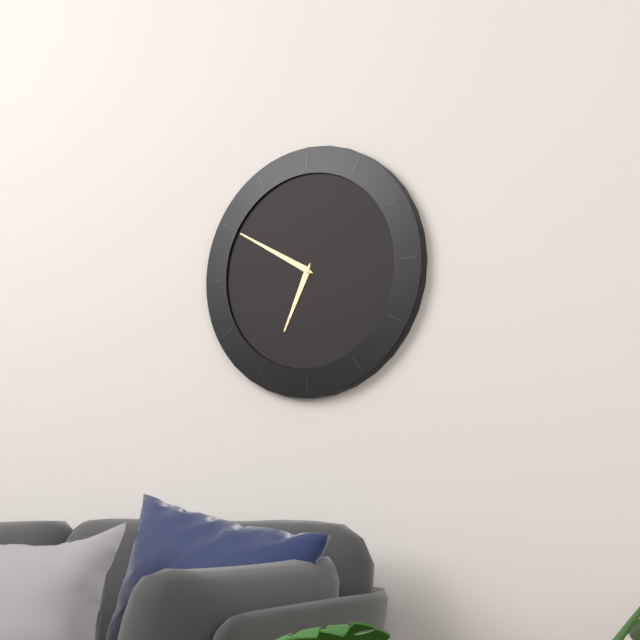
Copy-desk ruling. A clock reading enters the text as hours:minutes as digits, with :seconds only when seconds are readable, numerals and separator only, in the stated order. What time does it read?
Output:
6:50
